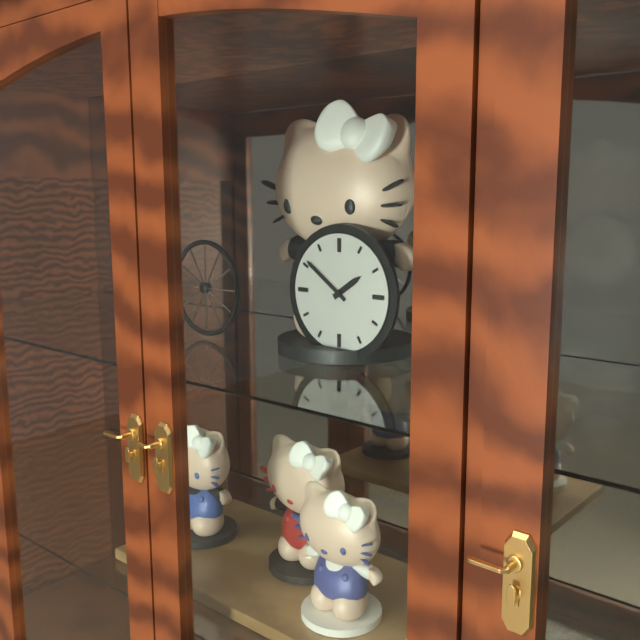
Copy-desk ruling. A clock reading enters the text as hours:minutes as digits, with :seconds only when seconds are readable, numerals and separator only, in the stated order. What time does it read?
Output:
1:51
